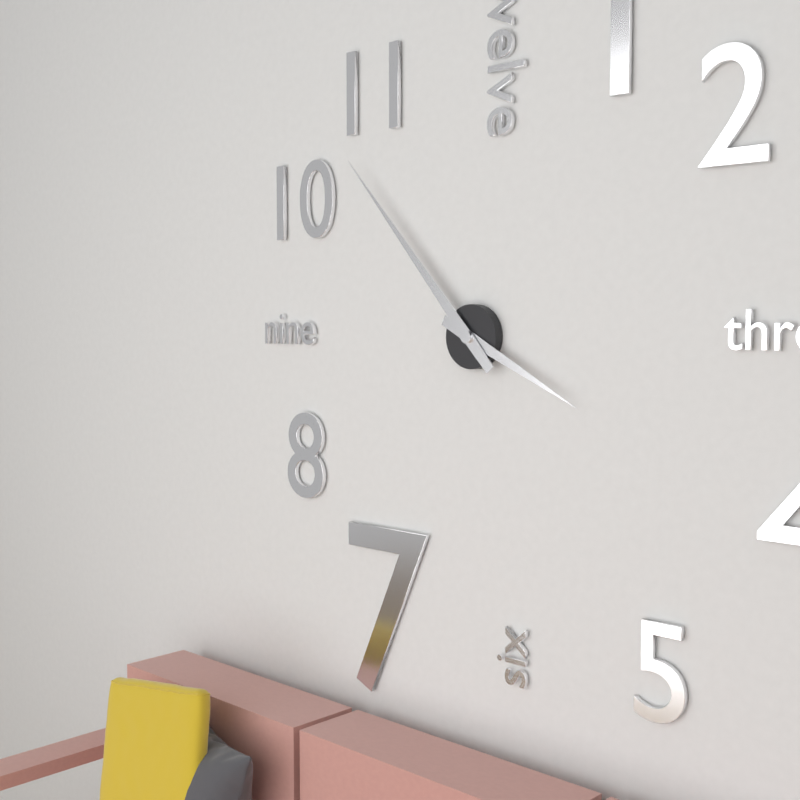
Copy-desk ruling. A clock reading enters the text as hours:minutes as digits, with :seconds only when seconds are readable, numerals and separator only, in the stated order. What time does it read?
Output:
3:53
